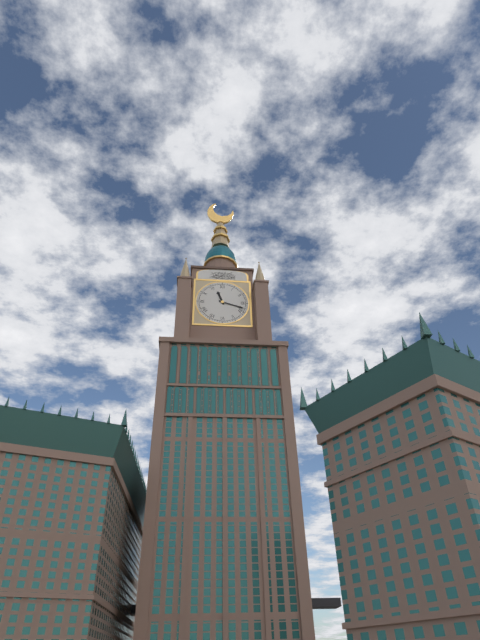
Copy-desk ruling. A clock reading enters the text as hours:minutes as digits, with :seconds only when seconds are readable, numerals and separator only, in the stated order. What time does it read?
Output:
11:18
